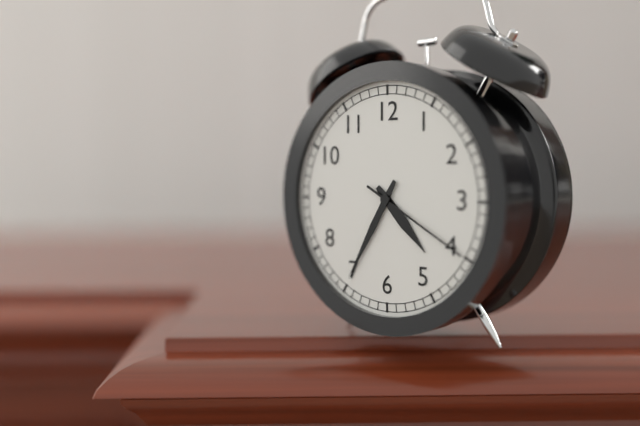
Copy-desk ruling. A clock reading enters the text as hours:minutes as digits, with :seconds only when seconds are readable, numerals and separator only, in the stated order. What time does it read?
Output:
4:35:20
